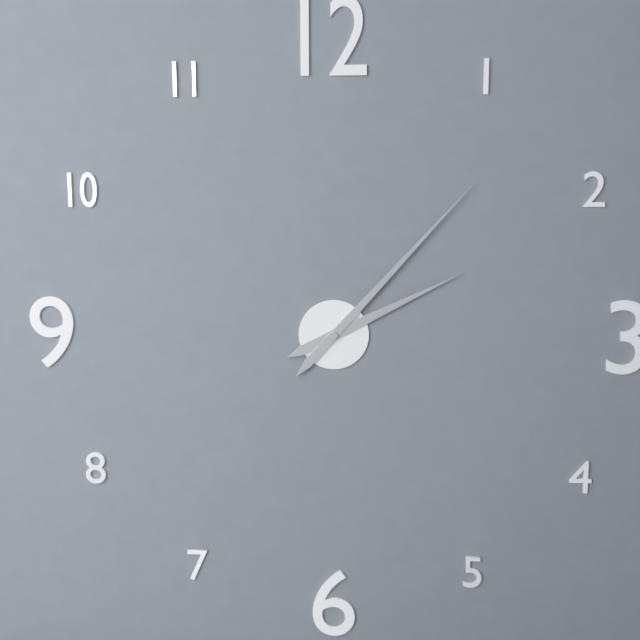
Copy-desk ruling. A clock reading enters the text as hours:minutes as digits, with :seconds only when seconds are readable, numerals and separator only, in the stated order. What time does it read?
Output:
2:07
